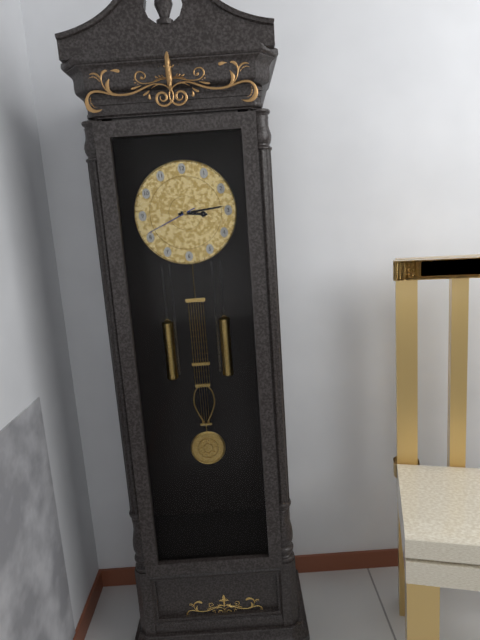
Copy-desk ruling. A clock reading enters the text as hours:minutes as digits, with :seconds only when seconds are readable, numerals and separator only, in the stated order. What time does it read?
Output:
3:14:41
